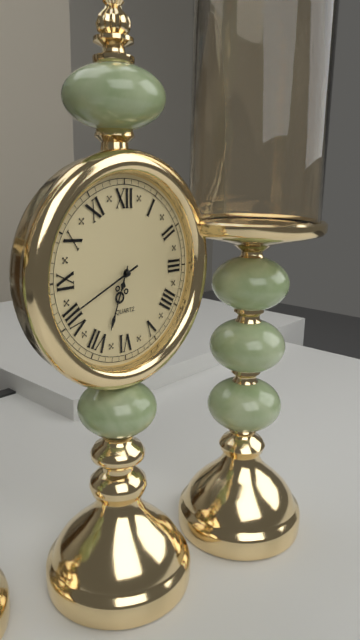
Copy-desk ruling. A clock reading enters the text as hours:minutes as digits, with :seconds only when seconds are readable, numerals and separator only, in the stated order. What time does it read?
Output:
6:41
